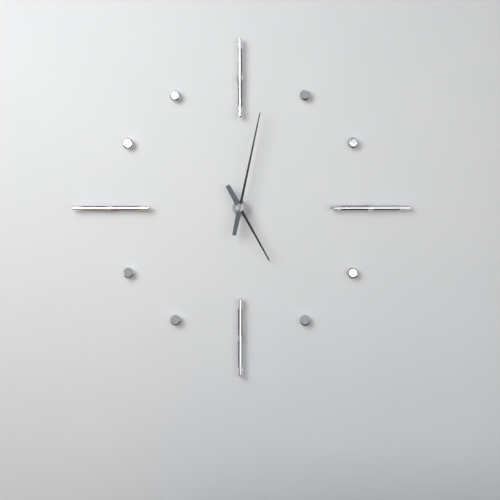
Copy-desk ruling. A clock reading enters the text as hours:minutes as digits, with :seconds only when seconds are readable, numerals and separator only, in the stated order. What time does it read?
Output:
5:02
